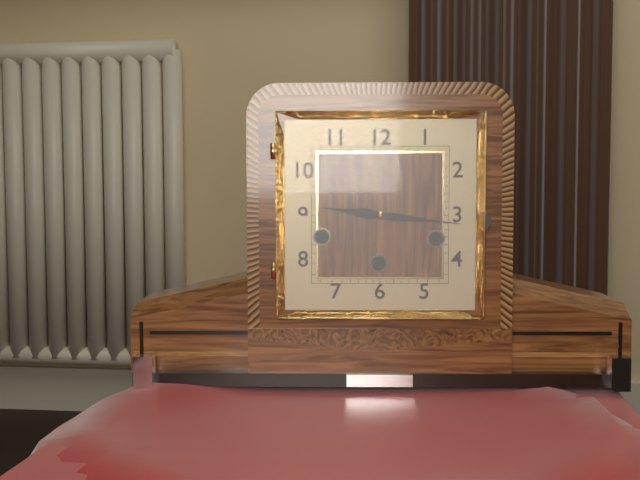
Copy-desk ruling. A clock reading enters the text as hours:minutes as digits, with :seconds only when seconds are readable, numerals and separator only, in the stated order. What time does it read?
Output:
9:16
